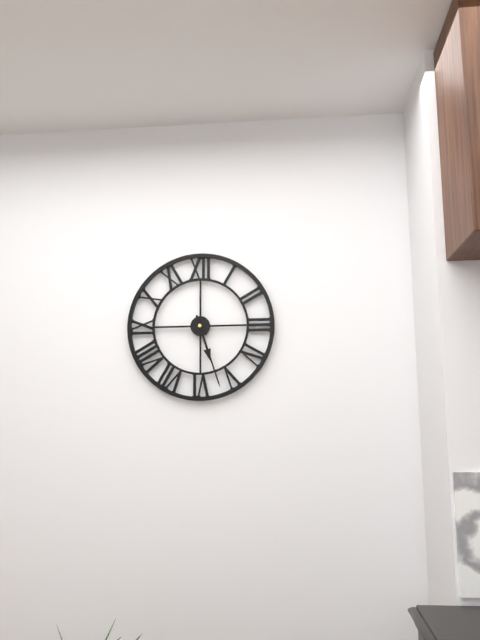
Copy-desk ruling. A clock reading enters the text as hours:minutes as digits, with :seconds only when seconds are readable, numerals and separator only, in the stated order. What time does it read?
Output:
5:27
